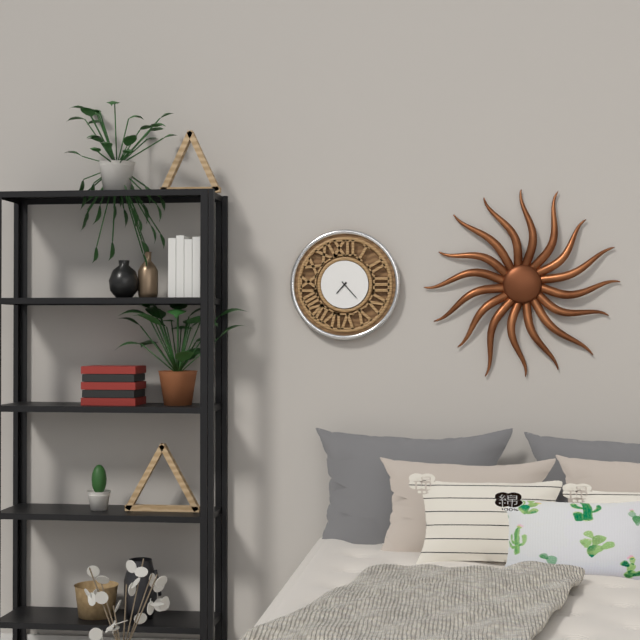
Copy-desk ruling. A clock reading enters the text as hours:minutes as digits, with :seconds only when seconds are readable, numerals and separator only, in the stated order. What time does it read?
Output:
7:23
